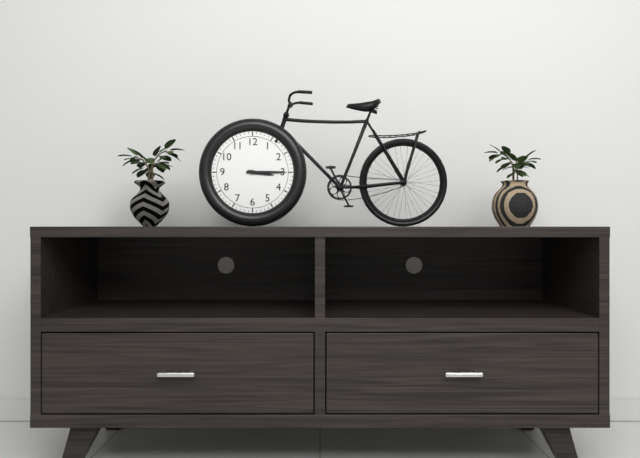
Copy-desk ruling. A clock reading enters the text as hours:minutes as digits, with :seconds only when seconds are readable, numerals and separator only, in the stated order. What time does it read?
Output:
3:15
